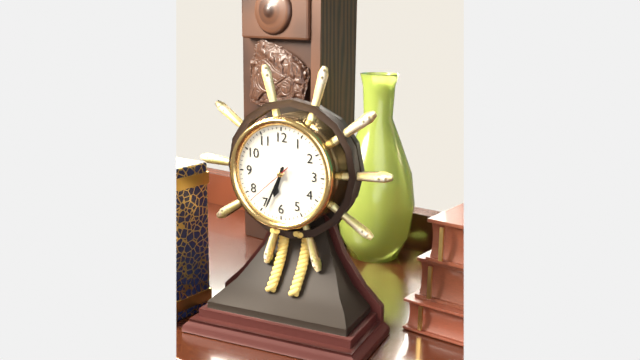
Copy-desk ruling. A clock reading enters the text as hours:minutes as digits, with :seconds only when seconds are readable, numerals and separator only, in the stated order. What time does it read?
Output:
6:34
